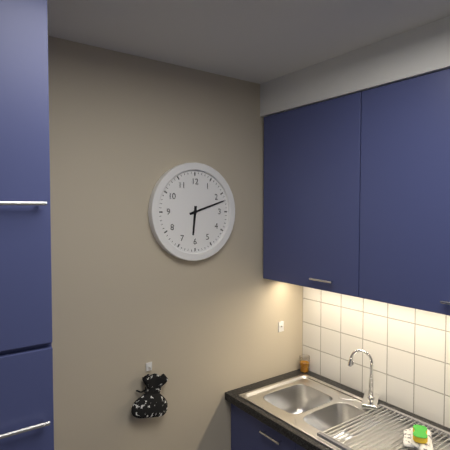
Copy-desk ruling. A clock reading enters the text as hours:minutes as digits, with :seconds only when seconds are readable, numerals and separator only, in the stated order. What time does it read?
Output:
6:12
